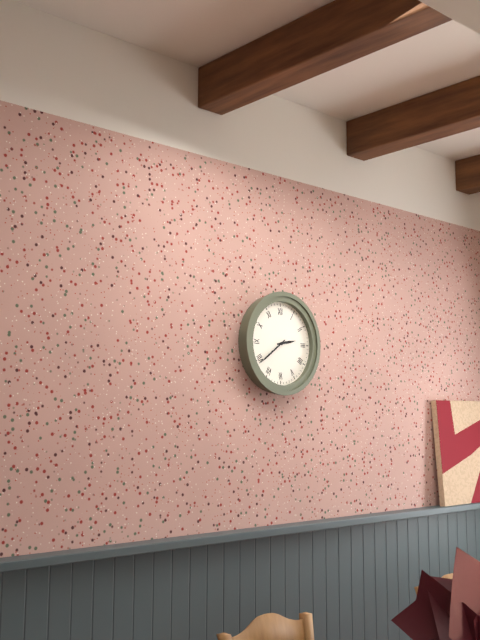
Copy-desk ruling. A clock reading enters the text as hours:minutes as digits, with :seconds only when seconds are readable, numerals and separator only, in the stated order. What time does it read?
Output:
2:39
